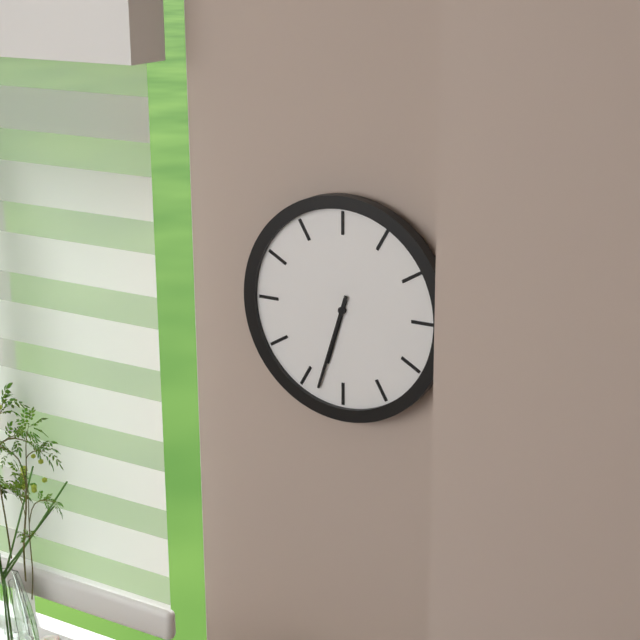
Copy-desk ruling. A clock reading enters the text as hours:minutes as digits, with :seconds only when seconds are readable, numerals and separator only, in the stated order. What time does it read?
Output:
6:33
